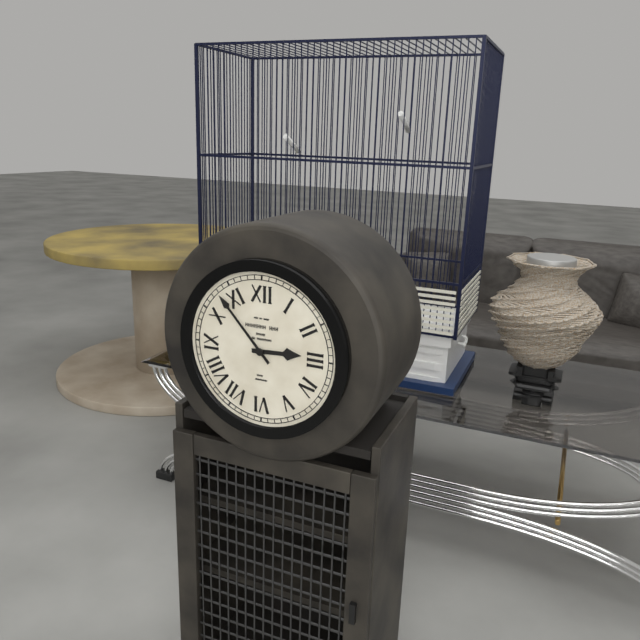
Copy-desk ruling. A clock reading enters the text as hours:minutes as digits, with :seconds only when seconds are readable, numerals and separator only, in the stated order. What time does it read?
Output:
2:53
